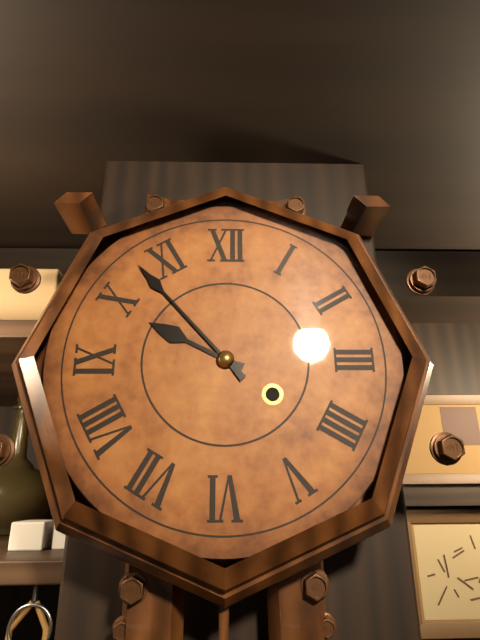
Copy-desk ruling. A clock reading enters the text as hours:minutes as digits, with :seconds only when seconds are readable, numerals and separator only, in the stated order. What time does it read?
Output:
9:53
